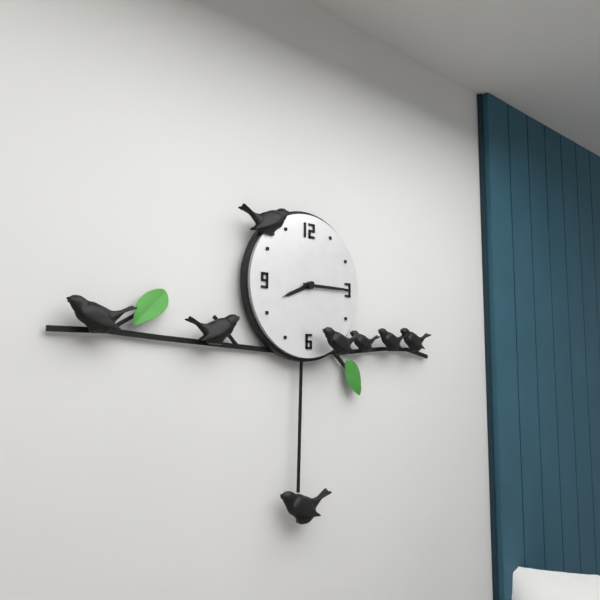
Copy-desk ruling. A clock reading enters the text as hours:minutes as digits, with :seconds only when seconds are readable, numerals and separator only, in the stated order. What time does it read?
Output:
8:15
